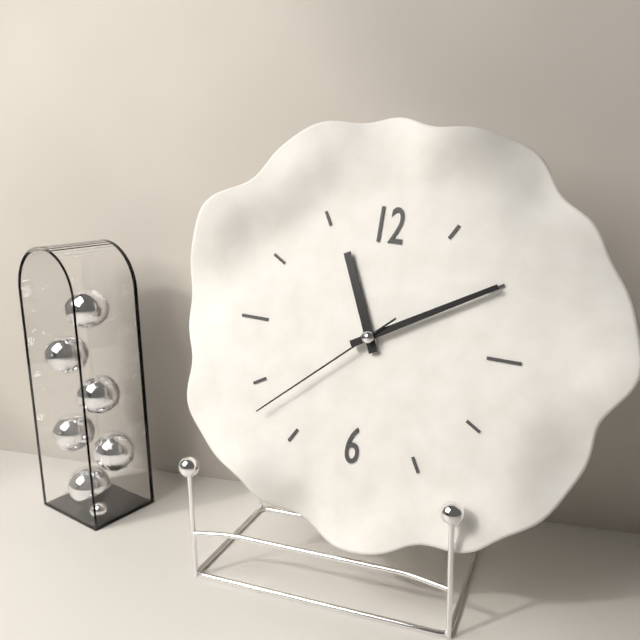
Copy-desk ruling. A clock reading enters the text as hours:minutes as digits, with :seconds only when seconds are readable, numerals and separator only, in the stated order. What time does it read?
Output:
11:10:38
